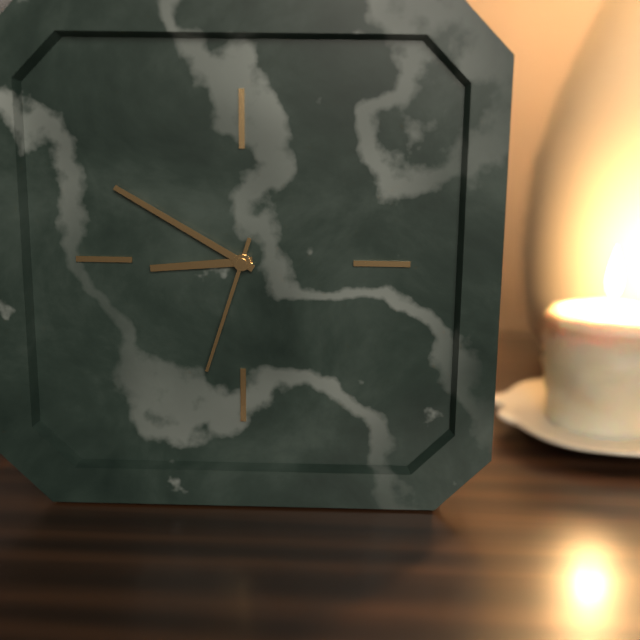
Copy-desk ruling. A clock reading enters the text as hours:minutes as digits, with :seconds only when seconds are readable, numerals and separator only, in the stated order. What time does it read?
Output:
8:50:33
